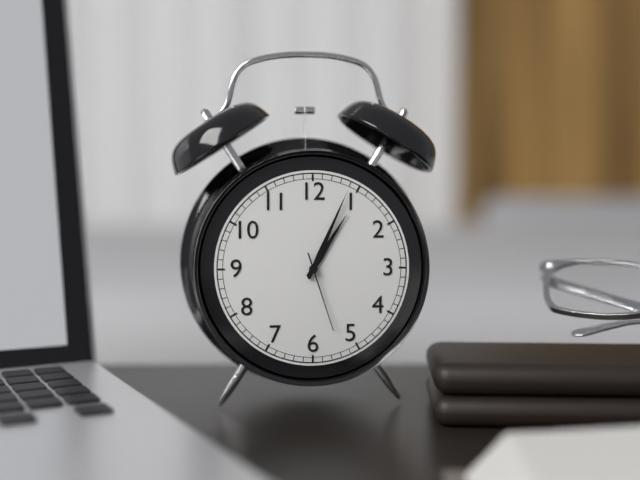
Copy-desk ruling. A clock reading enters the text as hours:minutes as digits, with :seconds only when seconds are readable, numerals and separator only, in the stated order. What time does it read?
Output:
1:04:27
